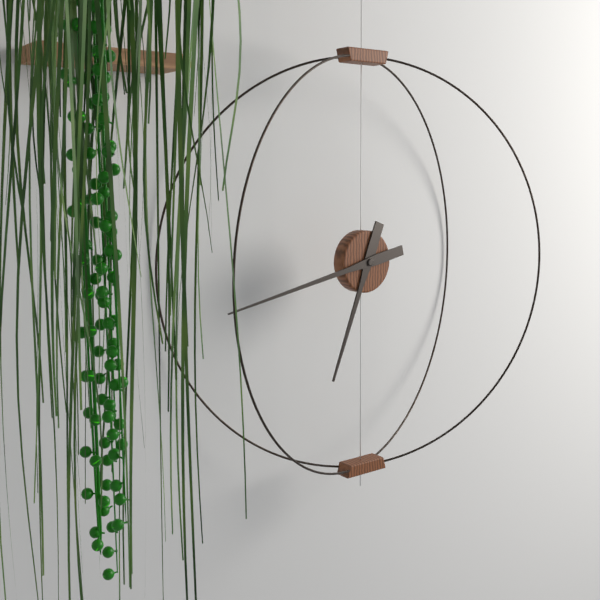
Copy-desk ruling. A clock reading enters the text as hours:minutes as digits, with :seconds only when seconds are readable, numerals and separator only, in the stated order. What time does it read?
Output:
6:43
